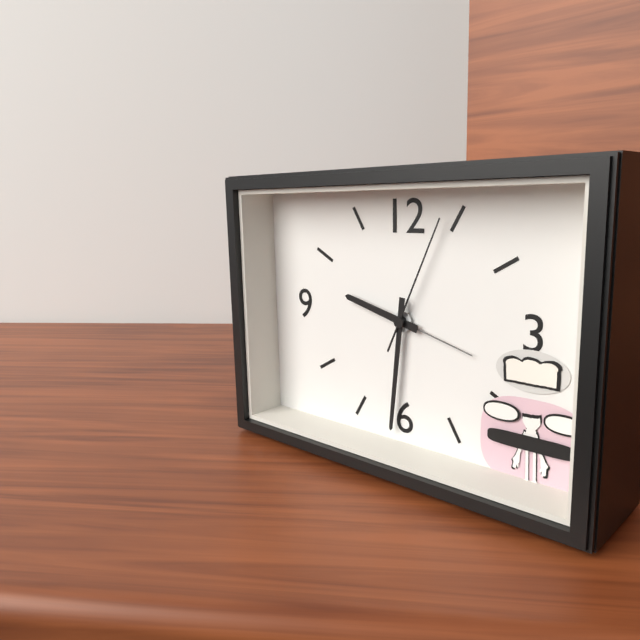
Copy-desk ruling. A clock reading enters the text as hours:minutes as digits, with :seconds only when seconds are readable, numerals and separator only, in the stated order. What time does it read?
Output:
9:31:04
